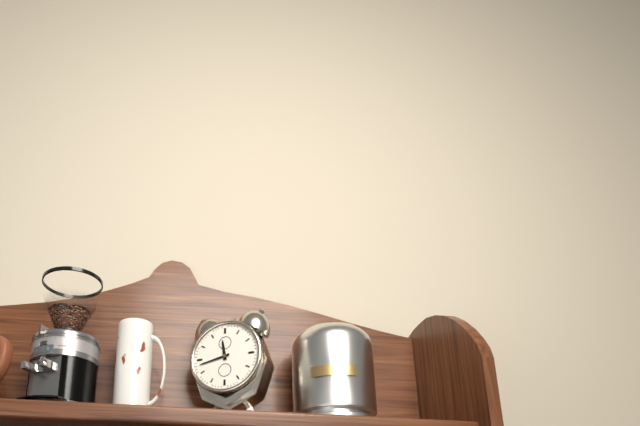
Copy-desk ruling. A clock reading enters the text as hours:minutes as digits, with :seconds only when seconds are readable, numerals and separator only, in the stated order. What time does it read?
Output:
11:43
